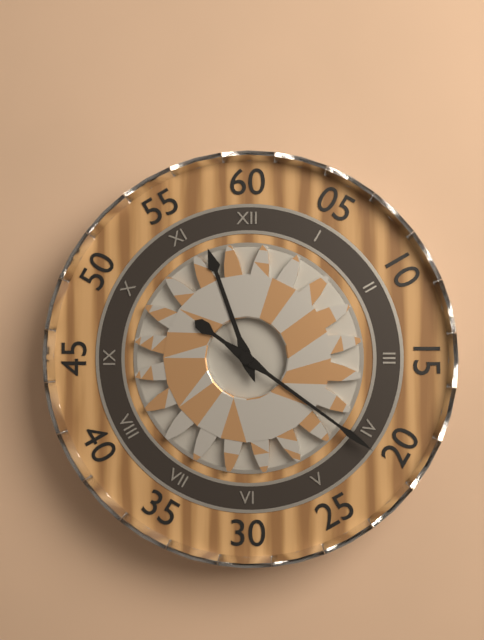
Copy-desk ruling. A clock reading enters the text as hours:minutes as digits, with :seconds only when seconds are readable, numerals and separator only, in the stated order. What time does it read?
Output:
11:21
